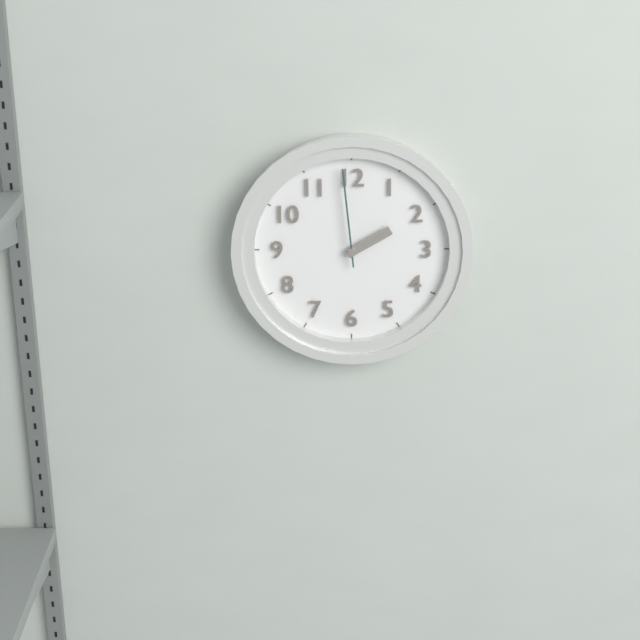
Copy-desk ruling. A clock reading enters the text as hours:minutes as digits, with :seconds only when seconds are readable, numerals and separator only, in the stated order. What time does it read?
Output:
1:59
